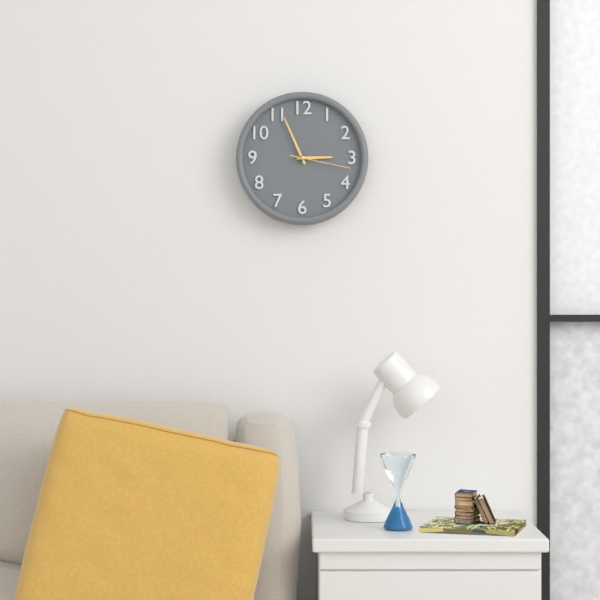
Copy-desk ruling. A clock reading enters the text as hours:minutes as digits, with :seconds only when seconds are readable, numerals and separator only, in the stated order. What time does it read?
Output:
2:56:17
